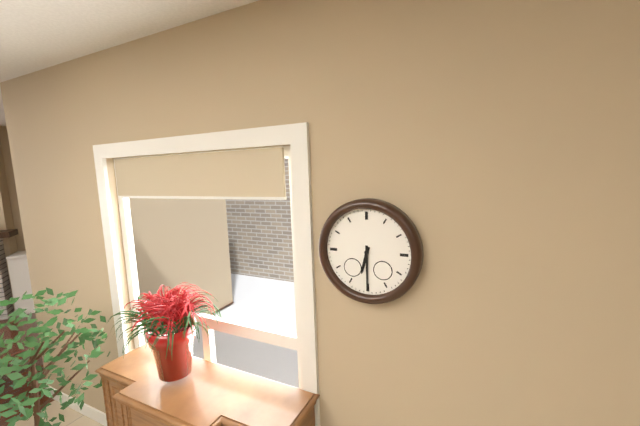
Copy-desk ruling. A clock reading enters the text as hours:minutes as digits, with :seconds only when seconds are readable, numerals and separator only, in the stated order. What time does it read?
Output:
6:30
